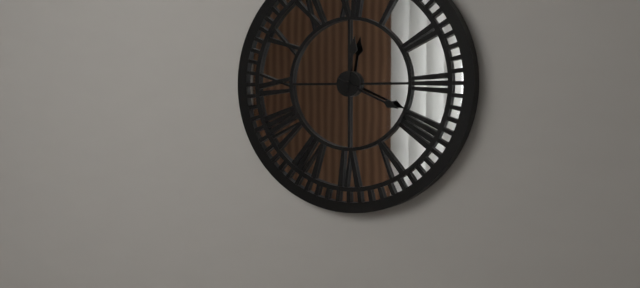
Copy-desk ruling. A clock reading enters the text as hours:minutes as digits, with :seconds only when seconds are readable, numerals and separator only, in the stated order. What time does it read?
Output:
12:19
